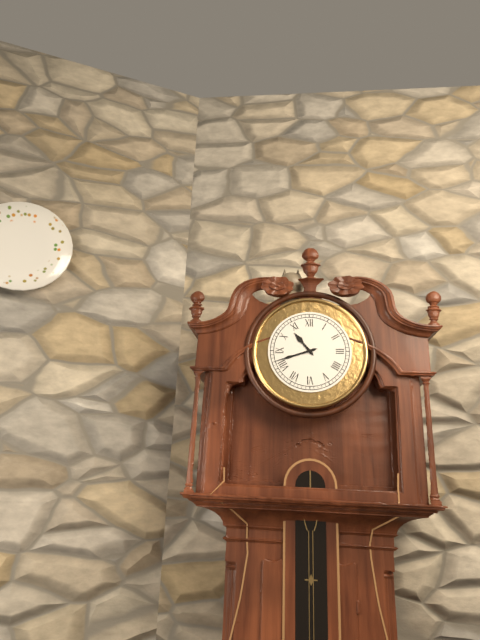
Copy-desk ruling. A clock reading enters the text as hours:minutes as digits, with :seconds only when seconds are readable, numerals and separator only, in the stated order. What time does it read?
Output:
10:42
